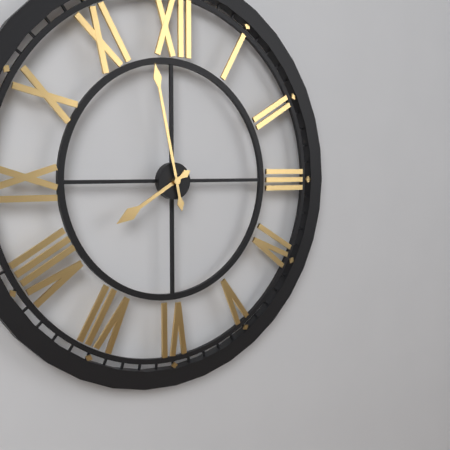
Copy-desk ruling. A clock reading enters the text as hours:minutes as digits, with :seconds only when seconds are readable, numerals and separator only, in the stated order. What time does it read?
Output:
7:58
